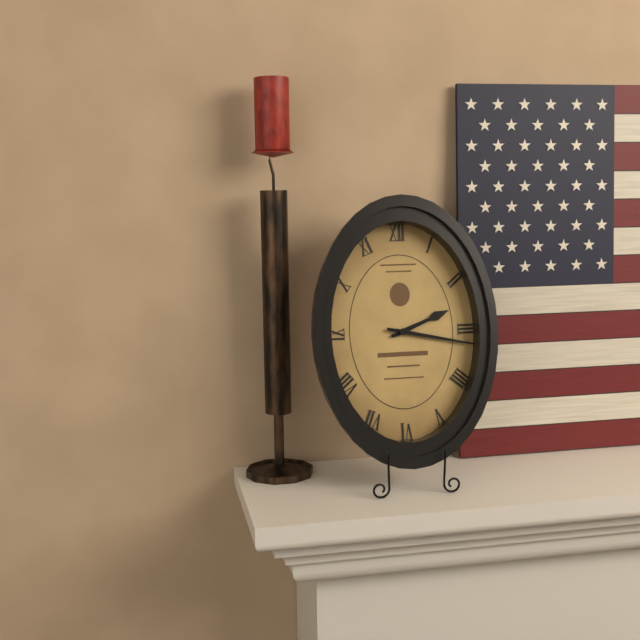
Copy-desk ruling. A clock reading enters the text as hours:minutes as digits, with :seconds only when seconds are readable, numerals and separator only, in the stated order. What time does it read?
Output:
2:17
